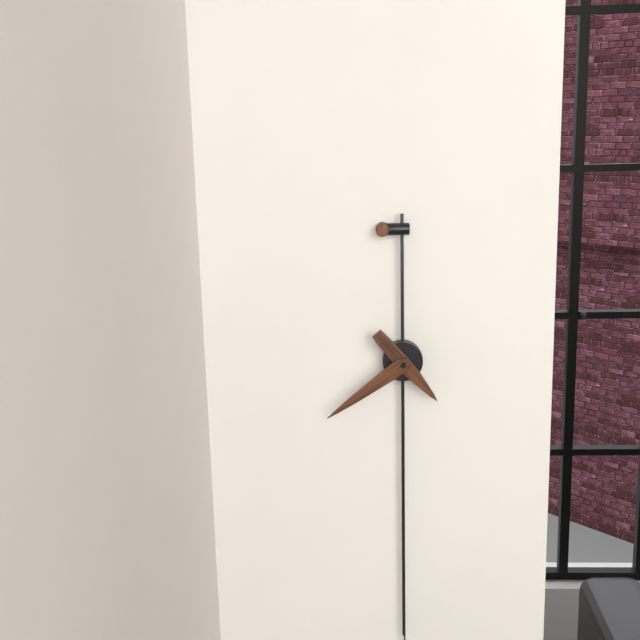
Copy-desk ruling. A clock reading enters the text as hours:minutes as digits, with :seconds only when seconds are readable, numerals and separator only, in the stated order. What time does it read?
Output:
4:39
